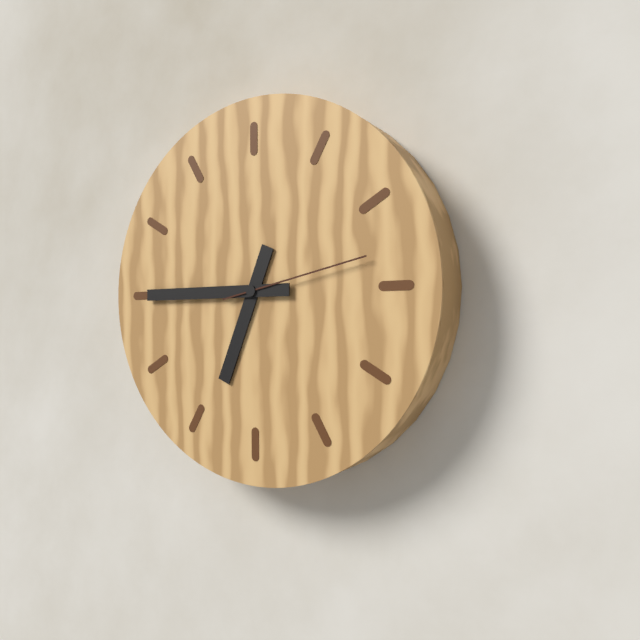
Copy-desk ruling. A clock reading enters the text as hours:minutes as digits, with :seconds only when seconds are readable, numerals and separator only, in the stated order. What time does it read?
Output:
6:45:13
